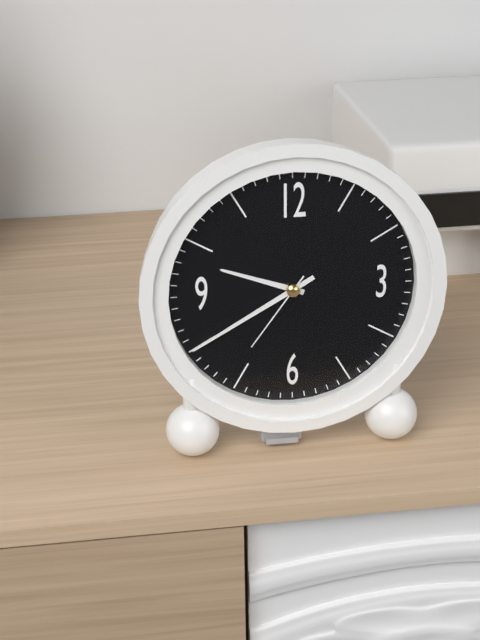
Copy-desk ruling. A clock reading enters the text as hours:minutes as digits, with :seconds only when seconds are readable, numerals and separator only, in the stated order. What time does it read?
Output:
9:40:36
